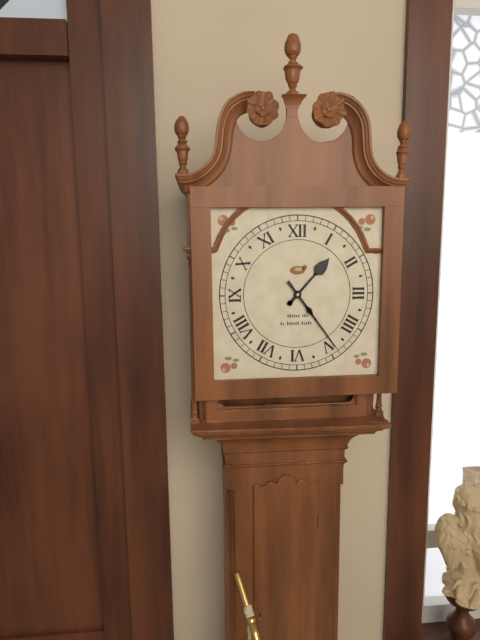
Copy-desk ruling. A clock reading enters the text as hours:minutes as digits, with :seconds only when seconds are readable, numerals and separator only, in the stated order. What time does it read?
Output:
1:24
